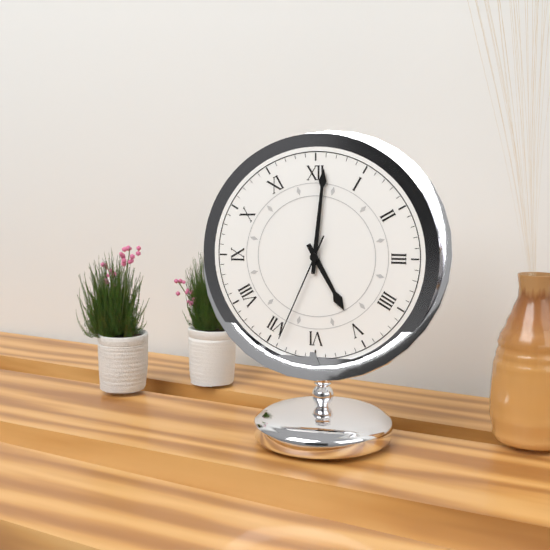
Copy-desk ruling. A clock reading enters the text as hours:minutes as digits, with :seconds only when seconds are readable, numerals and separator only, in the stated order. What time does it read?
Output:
5:01:34
